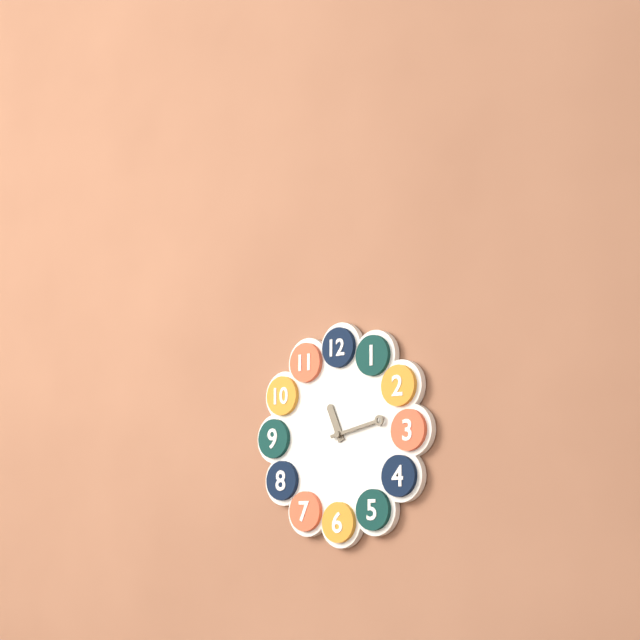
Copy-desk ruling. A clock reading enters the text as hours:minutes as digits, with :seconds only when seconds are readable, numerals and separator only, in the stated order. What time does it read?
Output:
11:13
